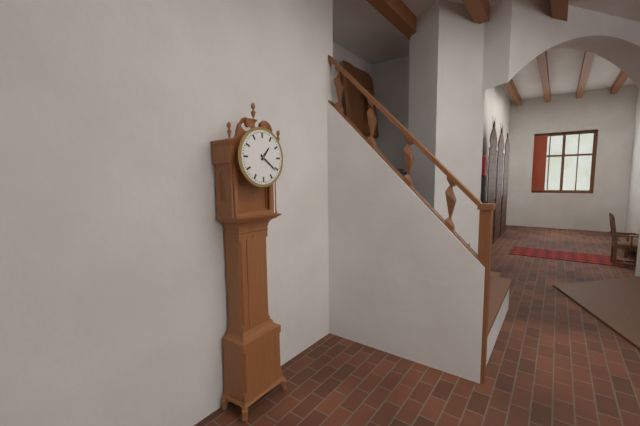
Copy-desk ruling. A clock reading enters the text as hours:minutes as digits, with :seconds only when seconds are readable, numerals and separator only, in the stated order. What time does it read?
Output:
1:21
